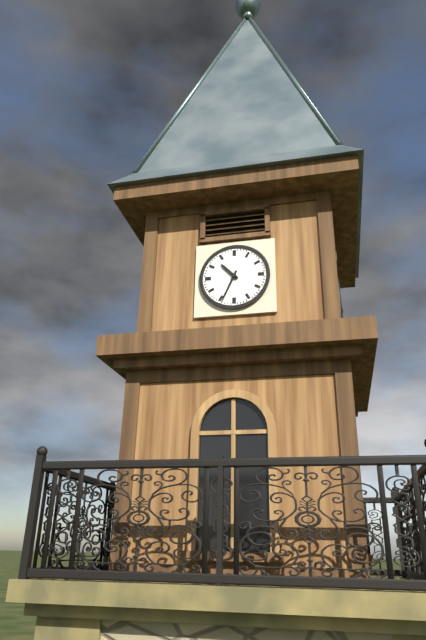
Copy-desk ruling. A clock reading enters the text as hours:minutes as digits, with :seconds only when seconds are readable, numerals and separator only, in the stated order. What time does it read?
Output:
10:34
